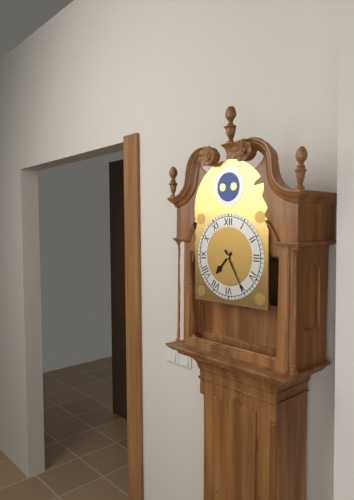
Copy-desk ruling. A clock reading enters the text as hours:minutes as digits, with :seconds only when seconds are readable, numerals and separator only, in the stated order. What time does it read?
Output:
7:25
